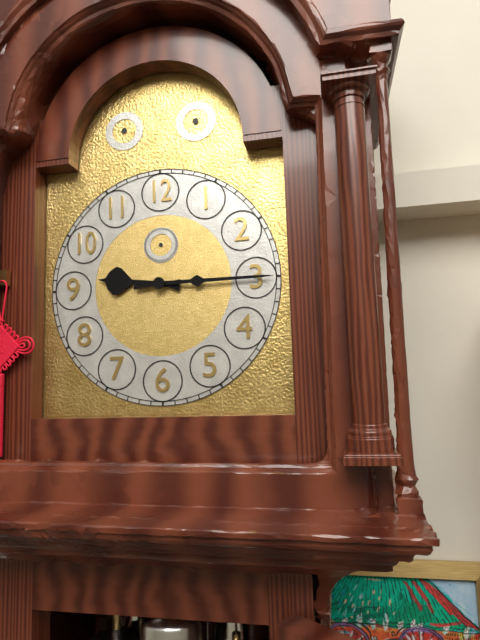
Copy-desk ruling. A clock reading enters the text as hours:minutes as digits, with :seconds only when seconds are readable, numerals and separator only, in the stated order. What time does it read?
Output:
9:15
